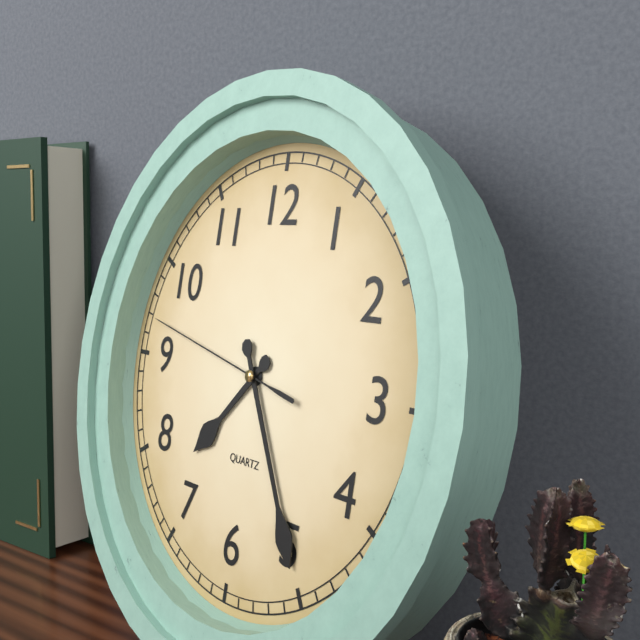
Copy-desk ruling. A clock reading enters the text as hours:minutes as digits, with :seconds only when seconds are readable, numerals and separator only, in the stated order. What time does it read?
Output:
7:25:47
